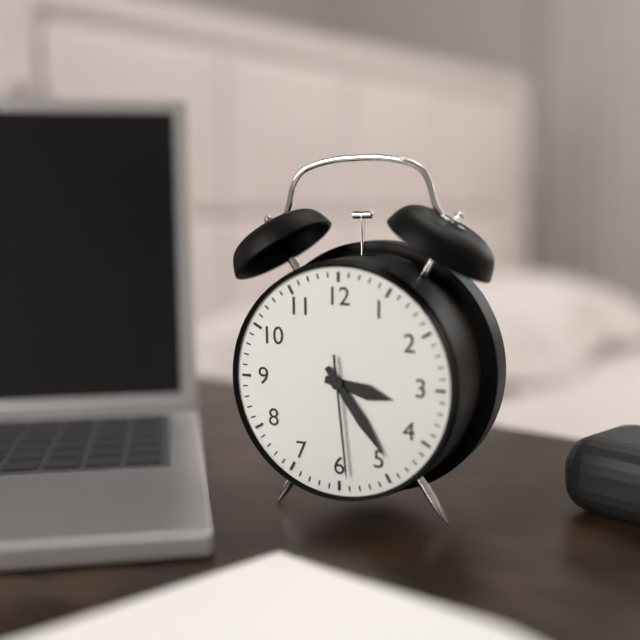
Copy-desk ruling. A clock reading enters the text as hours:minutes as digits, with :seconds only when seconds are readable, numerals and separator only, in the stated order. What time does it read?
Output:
3:24:29
